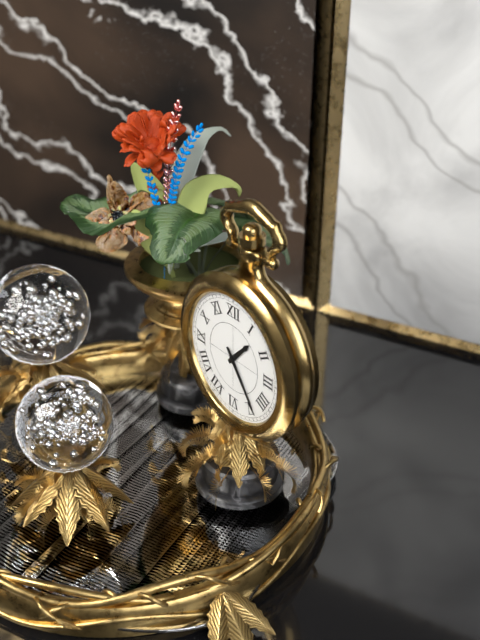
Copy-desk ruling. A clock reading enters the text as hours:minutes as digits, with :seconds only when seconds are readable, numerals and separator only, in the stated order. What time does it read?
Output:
1:24
